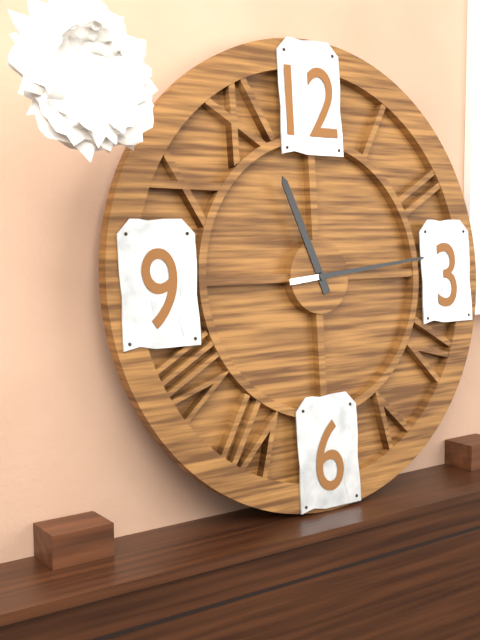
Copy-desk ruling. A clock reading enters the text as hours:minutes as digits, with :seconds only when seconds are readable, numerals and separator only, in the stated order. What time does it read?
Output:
11:14
